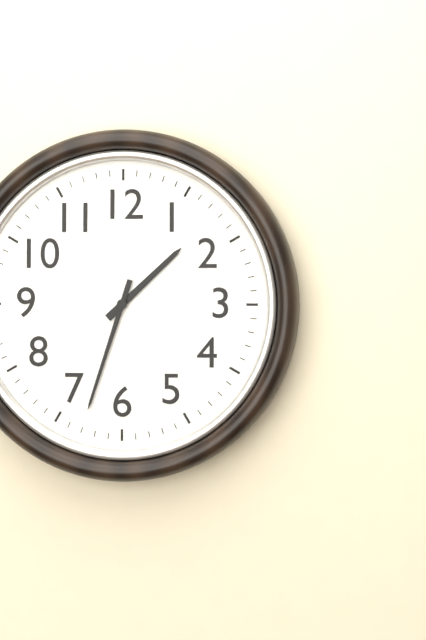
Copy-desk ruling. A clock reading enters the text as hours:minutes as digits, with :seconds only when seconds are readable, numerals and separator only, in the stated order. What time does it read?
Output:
1:33
